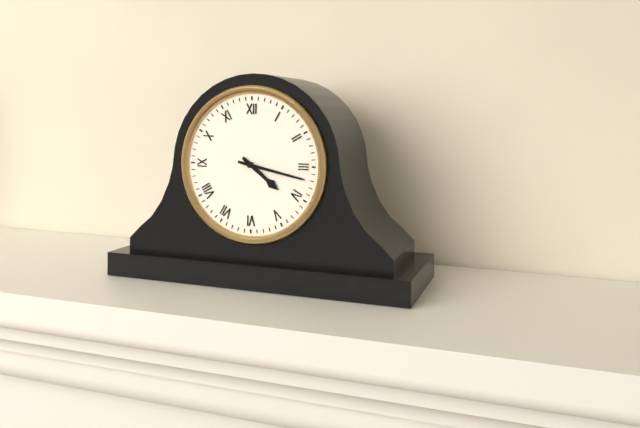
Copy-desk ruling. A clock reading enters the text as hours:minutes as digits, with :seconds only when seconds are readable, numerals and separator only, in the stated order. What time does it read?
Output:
4:17
